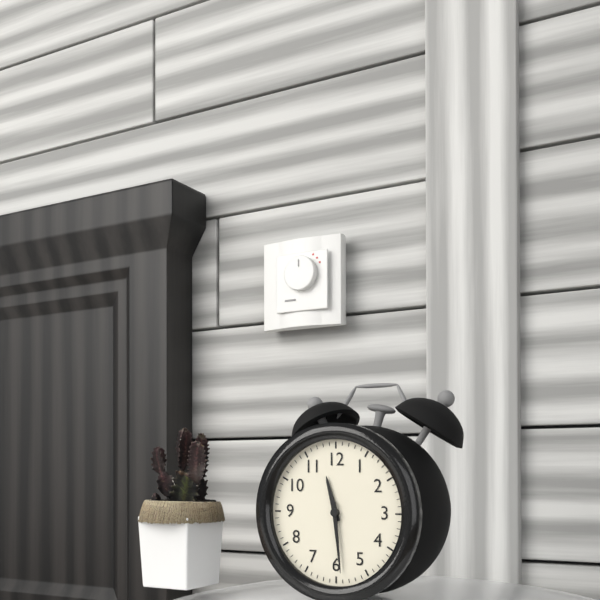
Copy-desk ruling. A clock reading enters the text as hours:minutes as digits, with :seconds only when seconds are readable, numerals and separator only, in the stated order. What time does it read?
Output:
11:29
